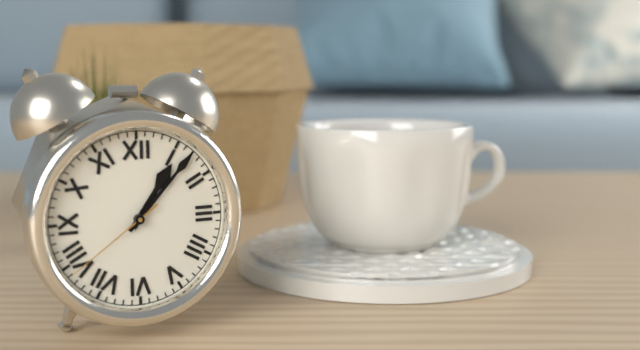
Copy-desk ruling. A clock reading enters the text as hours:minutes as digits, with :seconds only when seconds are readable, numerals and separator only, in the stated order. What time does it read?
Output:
1:07:39
